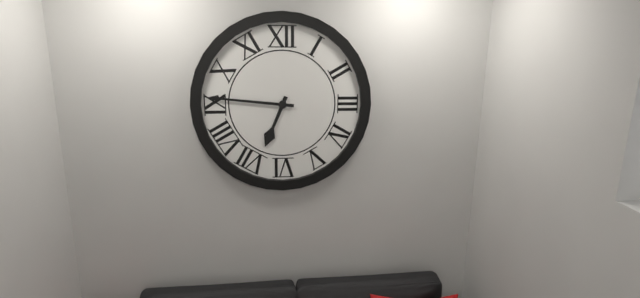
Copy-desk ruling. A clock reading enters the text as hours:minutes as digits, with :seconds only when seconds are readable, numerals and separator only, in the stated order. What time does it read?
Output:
6:46
